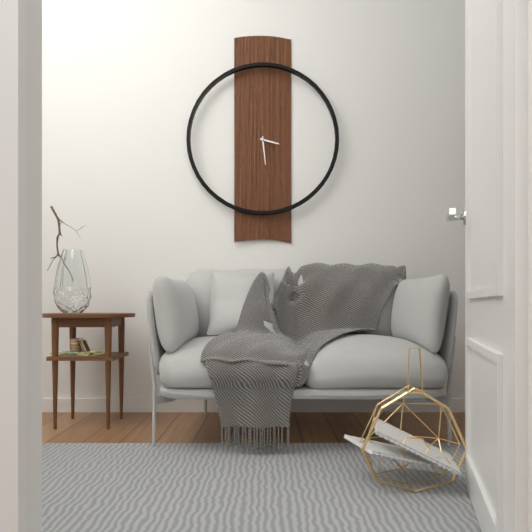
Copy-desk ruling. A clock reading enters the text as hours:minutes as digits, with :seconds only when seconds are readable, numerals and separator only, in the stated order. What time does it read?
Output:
3:29
